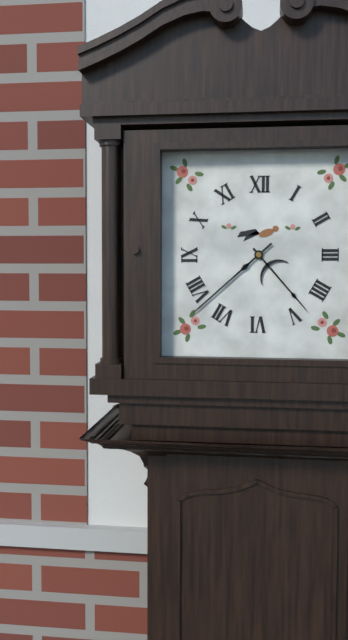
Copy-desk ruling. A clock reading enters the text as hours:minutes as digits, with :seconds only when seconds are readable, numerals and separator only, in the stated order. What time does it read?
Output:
4:38
